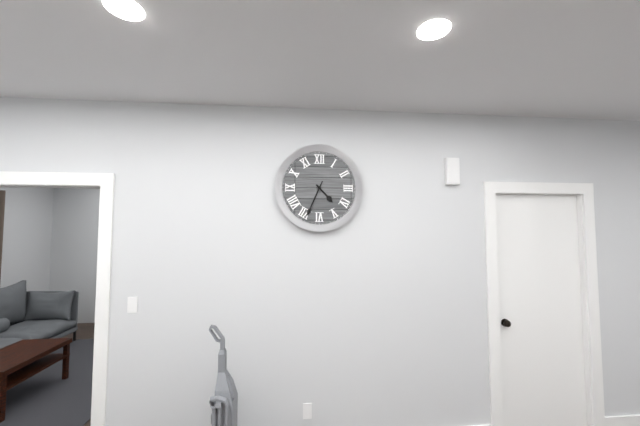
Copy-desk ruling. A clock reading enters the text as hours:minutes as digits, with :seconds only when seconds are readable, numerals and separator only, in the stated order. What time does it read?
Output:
4:34
